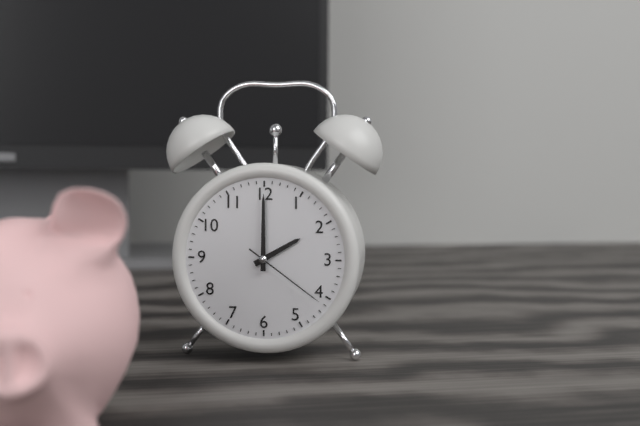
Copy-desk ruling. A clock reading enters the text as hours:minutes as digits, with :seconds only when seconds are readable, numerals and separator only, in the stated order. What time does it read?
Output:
2:00:21
